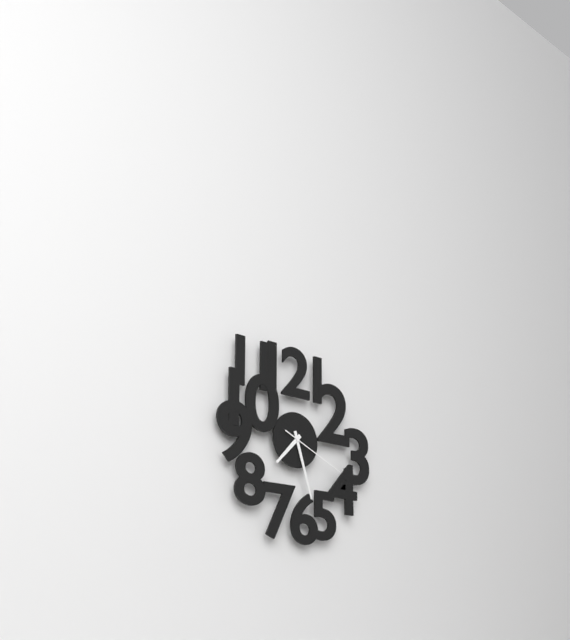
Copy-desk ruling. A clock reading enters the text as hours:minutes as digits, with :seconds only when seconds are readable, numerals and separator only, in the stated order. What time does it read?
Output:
7:27:19
